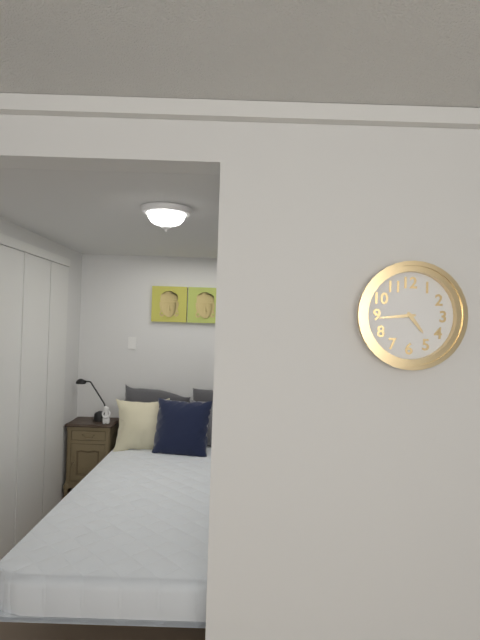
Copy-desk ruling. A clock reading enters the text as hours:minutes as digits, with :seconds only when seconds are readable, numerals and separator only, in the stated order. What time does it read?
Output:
4:44
